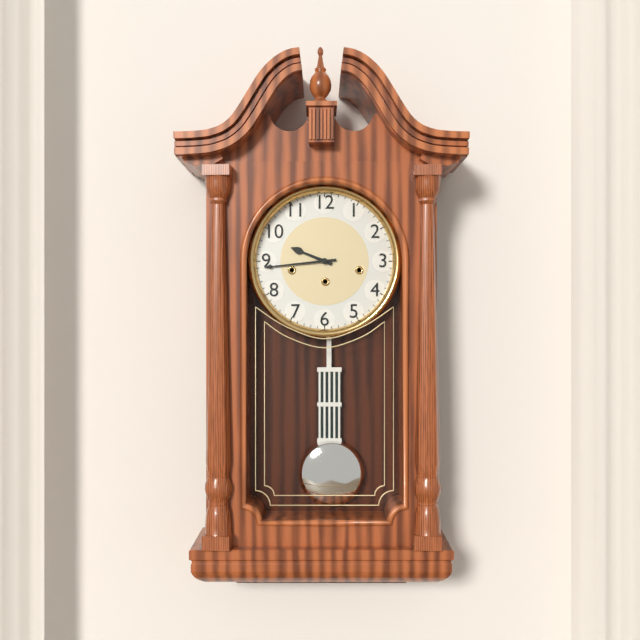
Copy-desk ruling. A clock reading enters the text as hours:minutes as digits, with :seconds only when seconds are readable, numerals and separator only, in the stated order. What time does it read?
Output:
9:44
